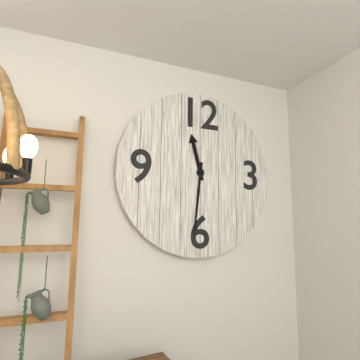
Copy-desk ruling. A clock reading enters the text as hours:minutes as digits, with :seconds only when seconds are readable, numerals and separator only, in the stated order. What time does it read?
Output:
11:31
